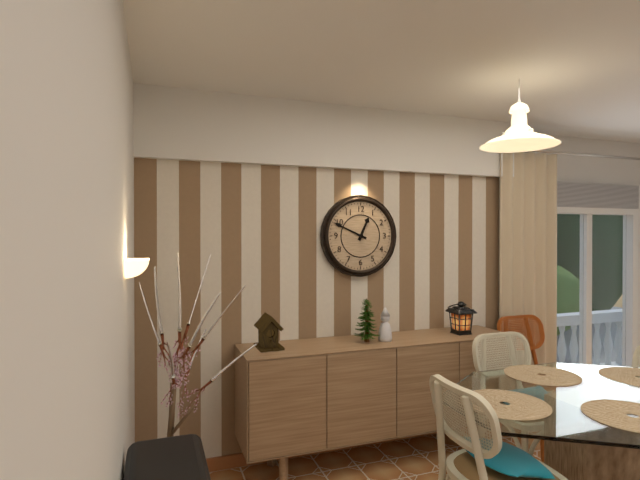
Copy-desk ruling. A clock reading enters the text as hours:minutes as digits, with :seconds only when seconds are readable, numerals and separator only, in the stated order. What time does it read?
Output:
12:49
